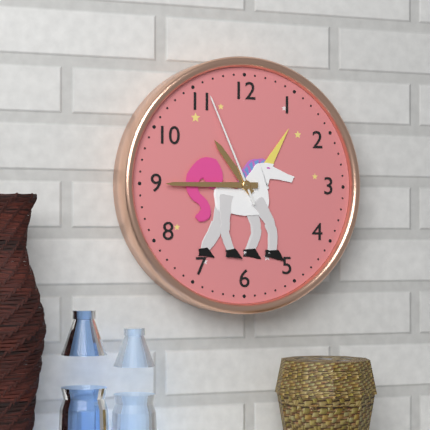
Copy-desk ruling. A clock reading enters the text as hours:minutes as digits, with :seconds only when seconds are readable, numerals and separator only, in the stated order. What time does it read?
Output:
10:45:56
